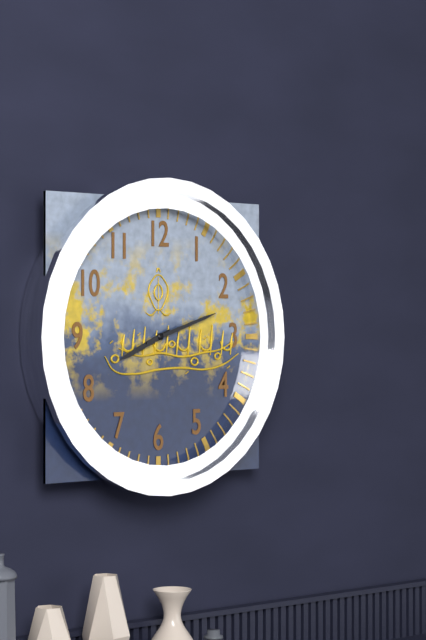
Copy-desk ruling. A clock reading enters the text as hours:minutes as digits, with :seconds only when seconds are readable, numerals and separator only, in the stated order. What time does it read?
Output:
8:12
